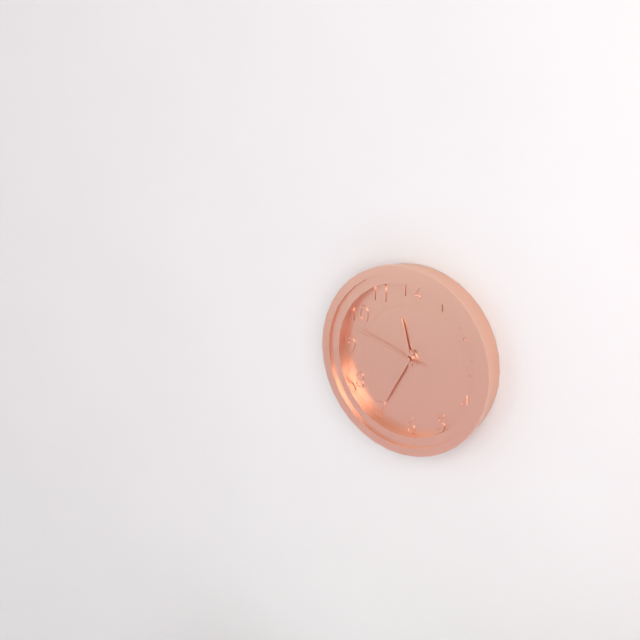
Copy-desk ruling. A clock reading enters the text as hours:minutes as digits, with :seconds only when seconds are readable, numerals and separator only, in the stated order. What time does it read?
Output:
11:35:48
